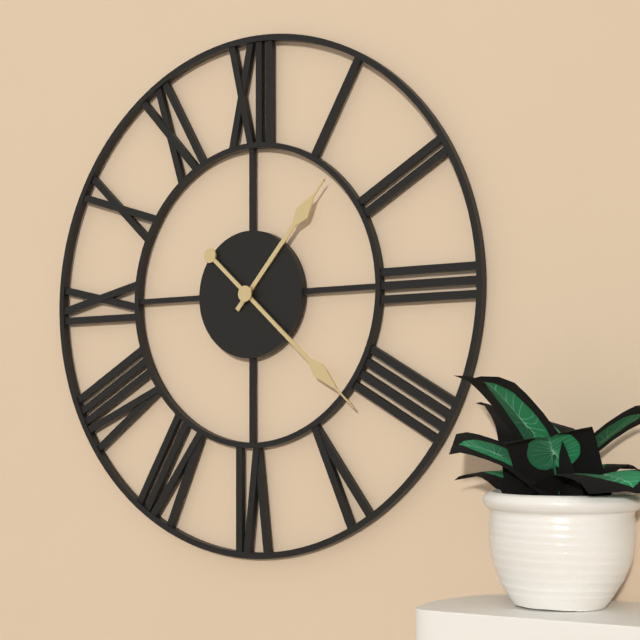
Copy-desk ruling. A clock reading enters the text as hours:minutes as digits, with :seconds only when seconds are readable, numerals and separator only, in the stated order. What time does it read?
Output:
1:22
